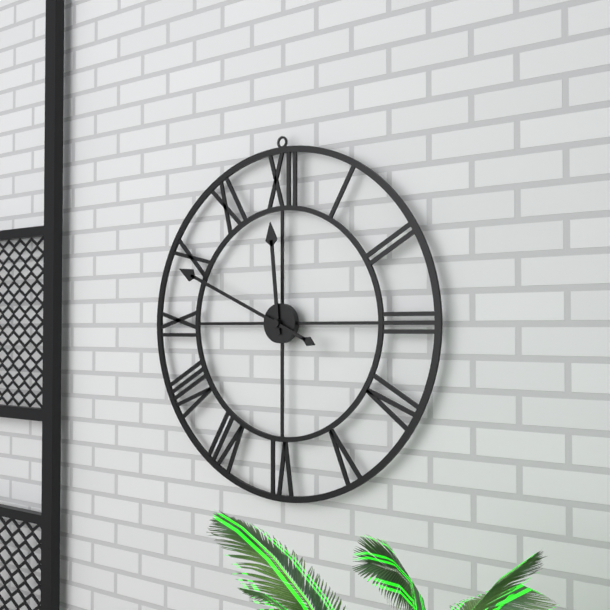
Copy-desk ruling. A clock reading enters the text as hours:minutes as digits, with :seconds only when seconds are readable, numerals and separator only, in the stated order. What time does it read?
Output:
11:49
